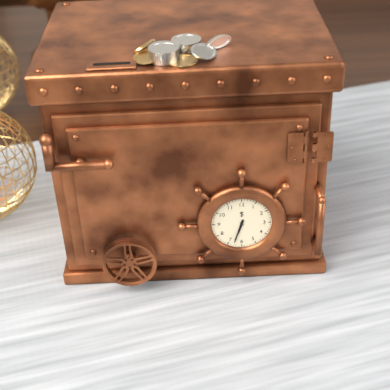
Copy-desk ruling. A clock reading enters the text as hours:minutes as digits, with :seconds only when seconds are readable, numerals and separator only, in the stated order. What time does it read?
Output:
6:33
